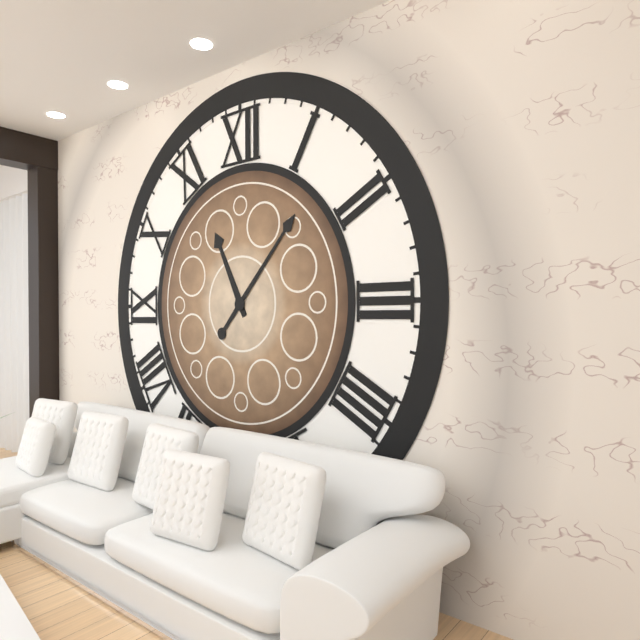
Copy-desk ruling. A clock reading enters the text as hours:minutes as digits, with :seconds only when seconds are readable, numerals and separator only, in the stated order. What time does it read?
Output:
11:07
